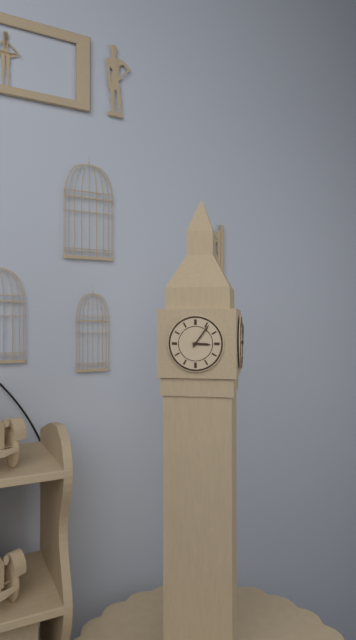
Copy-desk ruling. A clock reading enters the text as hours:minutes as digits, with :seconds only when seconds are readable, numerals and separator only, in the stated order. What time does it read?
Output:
3:06
